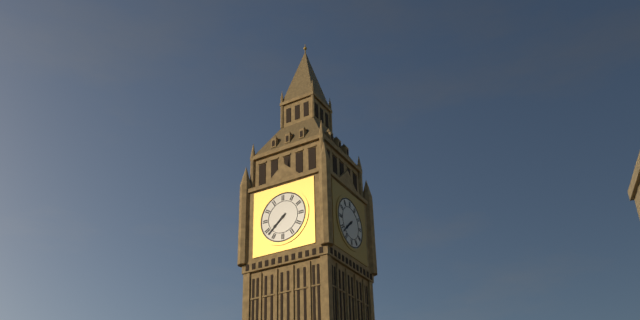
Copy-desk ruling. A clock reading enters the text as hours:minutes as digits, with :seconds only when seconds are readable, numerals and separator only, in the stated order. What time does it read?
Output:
7:38
